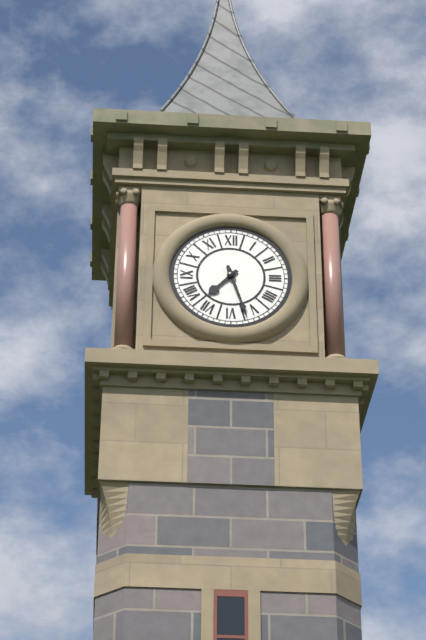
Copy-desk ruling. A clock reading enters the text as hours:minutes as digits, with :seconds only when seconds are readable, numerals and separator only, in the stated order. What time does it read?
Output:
7:27
